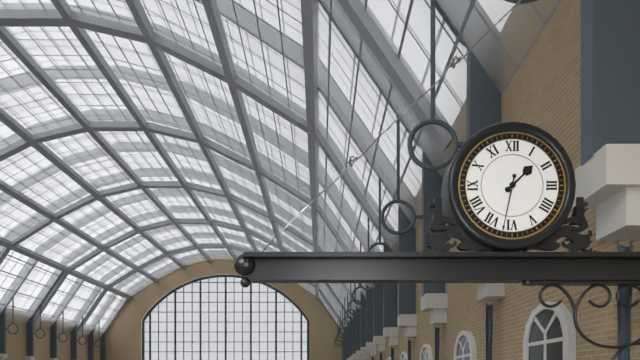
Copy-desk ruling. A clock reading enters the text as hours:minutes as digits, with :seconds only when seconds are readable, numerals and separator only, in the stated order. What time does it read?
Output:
1:32
